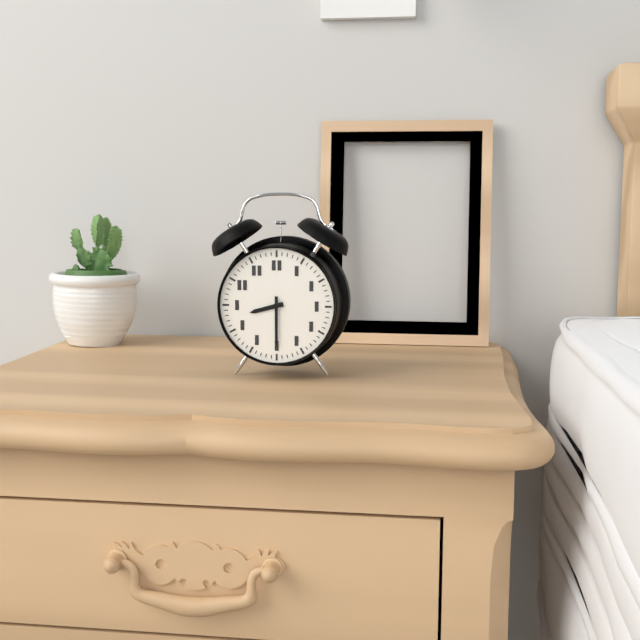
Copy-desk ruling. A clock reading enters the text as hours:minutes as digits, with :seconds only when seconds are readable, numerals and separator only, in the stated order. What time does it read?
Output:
8:30
